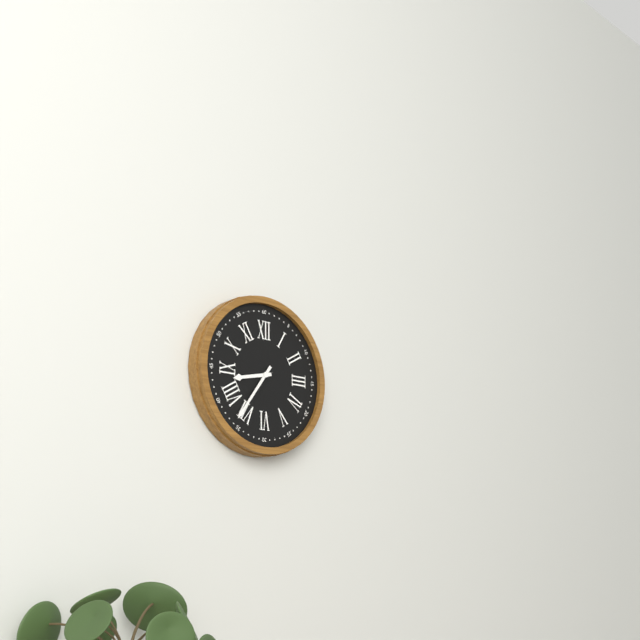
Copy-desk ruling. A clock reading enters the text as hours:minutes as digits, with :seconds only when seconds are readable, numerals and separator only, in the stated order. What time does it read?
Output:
8:36
